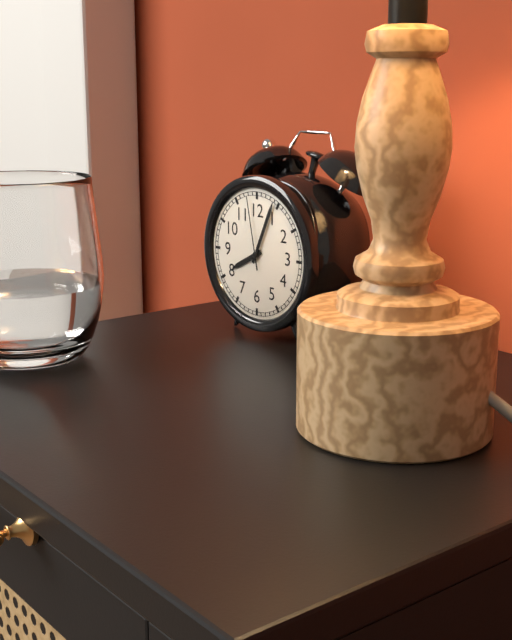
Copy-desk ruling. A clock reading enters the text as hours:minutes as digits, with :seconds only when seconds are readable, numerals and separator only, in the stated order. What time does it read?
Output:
8:04:58
